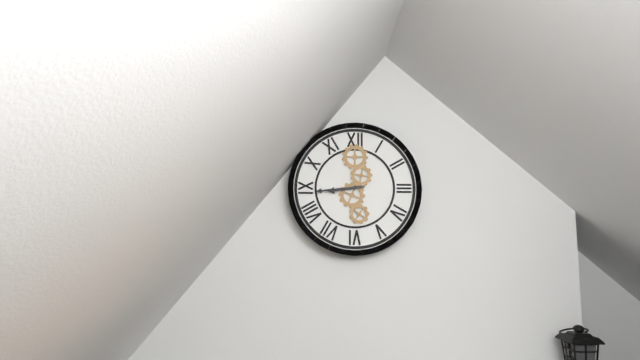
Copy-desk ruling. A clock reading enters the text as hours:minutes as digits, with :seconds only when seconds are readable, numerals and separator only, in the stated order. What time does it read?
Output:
8:44
